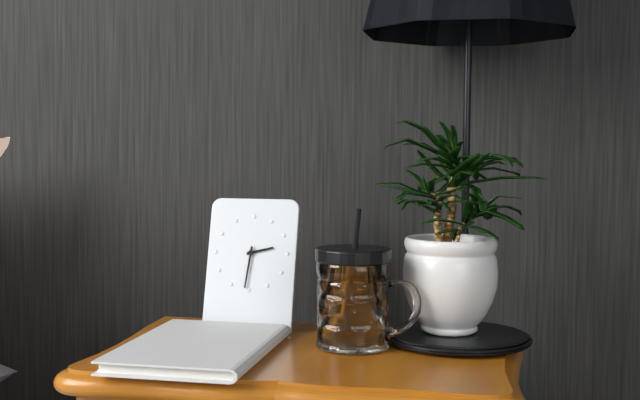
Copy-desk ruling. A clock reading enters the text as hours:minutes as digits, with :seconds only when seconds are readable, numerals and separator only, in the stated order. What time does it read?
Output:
2:31
